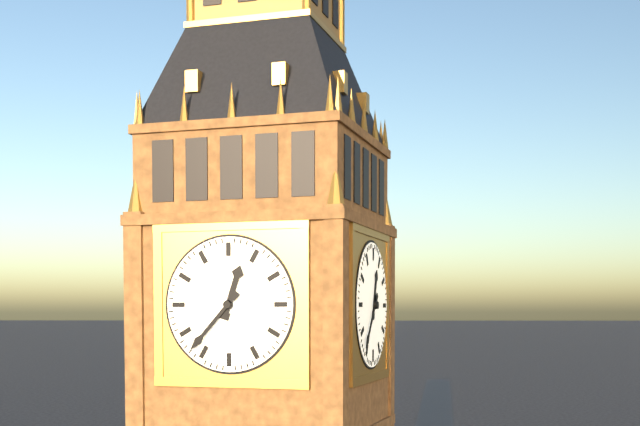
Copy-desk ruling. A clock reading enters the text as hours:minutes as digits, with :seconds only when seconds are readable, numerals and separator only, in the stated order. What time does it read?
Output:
12:37
